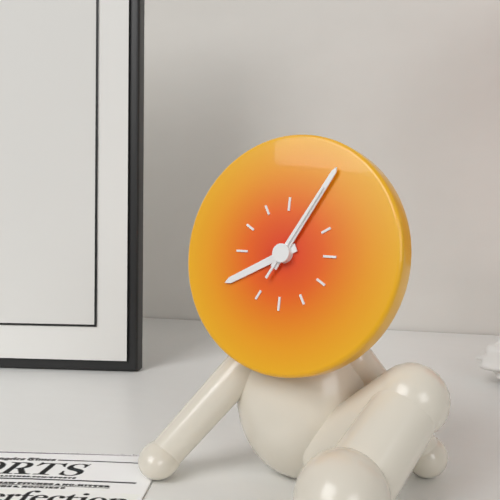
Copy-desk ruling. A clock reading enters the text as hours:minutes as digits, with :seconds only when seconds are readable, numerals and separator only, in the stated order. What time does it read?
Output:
8:05:05
